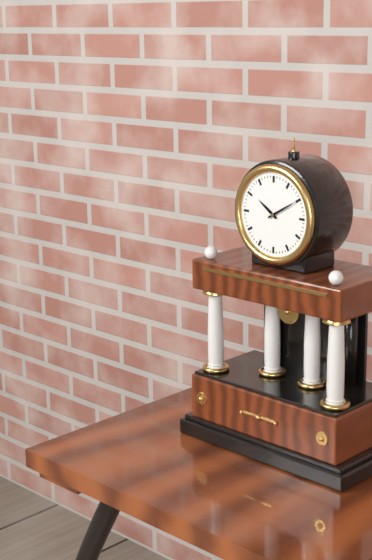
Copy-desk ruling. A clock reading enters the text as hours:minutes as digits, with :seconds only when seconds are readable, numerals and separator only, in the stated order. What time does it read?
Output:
10:10
